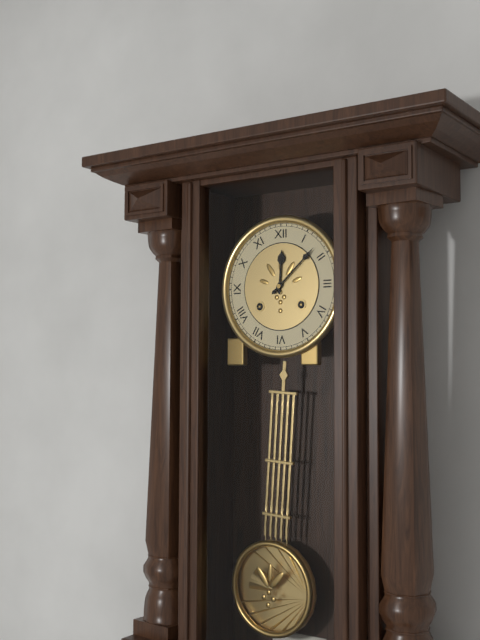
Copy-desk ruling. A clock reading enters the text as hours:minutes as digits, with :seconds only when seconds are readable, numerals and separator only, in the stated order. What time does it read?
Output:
12:08
